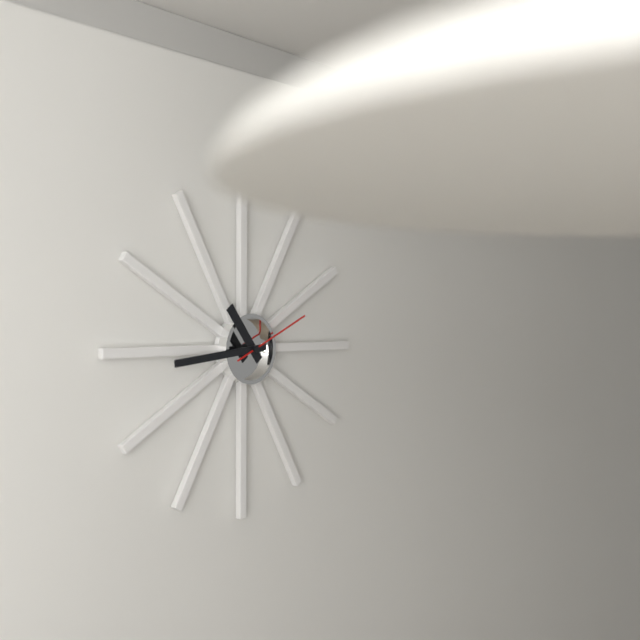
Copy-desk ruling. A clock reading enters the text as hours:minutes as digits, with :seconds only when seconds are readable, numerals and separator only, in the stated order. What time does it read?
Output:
10:44:11
